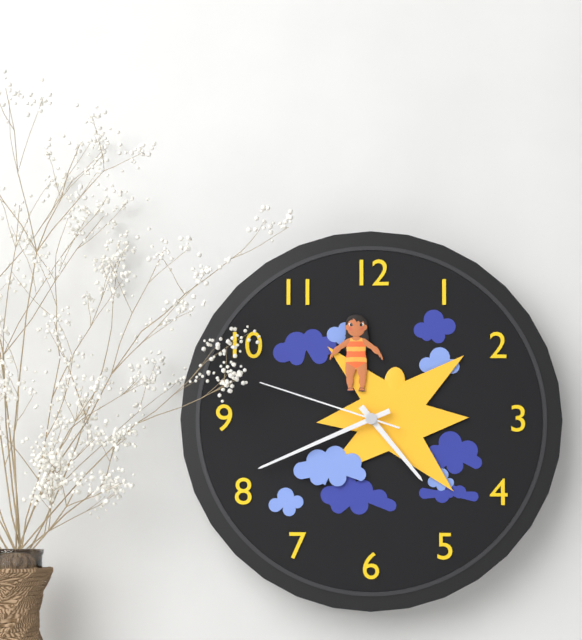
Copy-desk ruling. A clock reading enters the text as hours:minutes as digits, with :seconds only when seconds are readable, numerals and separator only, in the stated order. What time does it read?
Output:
4:41:48
